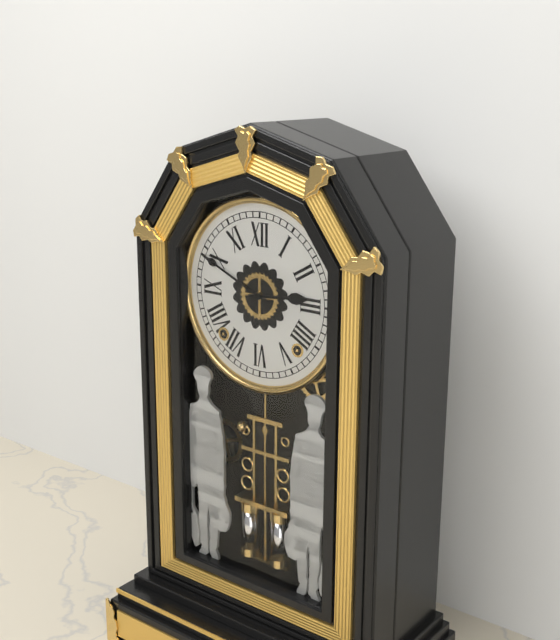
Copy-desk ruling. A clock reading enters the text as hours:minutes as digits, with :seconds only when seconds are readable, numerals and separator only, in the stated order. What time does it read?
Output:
2:49
